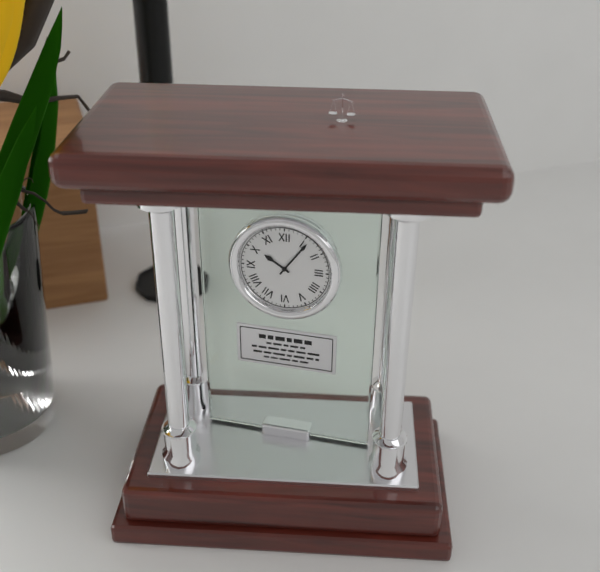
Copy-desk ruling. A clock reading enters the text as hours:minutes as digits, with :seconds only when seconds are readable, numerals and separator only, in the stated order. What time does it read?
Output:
10:06
